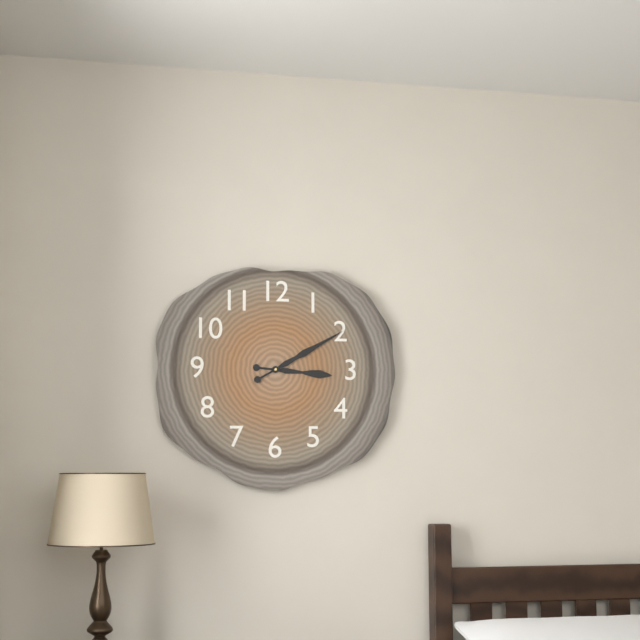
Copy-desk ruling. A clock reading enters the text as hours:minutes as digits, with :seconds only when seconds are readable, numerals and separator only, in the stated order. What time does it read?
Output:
3:10
